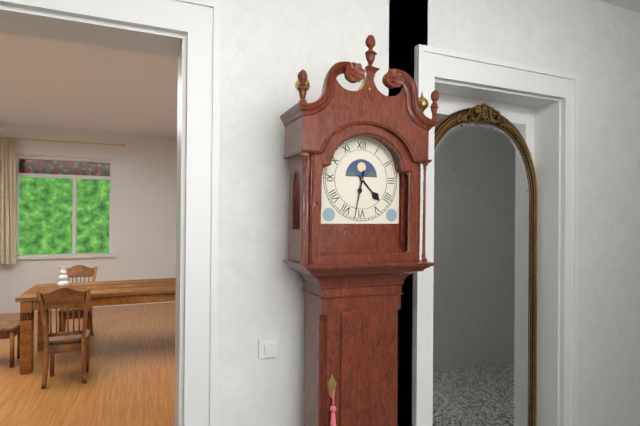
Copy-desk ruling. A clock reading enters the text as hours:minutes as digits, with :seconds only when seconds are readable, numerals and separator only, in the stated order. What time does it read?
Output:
4:32
